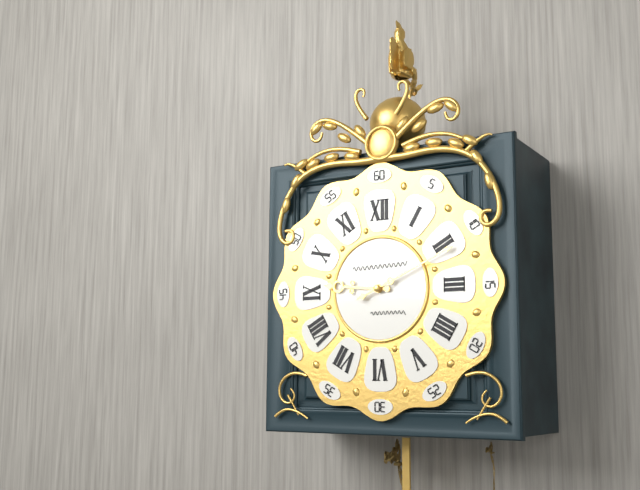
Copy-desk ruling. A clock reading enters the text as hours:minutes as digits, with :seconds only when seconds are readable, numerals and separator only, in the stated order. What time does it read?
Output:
9:11
